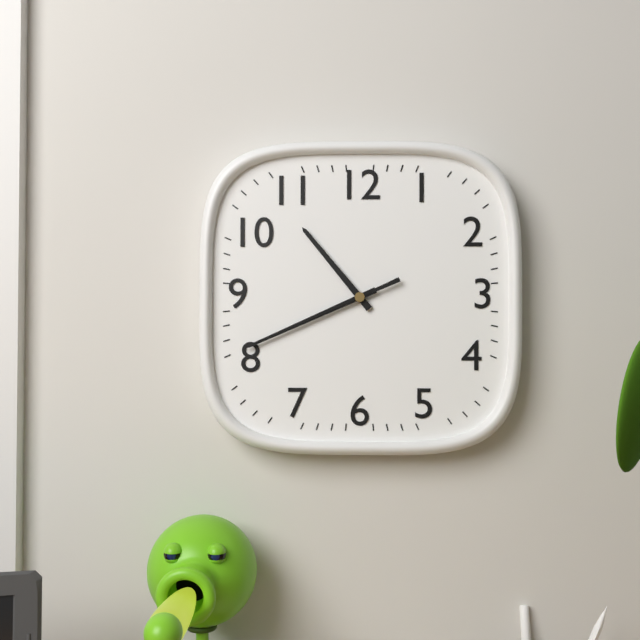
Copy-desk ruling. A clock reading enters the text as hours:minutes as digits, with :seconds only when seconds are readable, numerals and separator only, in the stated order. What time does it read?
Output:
10:41:41
